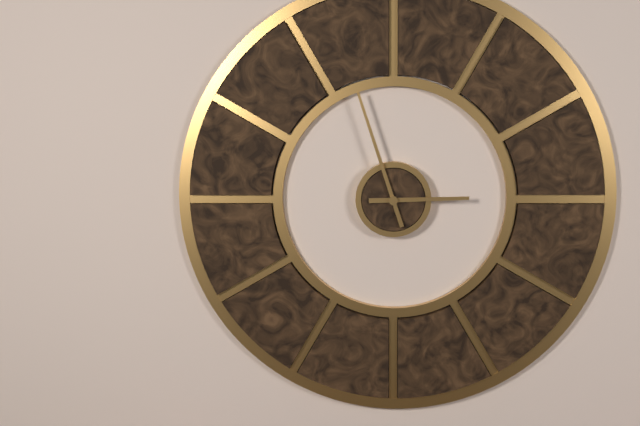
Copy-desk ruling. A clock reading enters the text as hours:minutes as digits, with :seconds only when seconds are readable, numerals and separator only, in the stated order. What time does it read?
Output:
2:57
